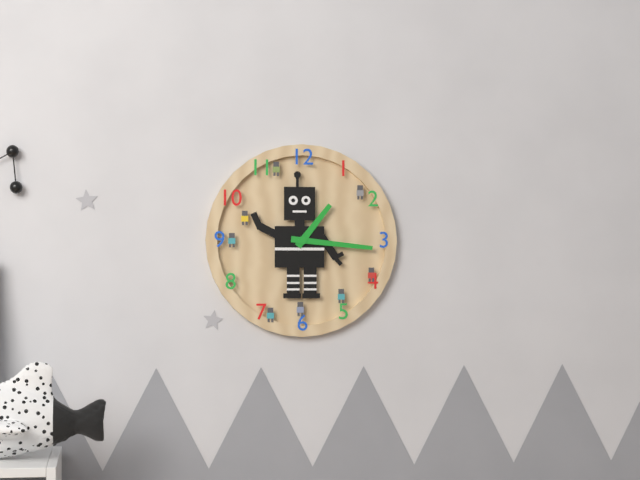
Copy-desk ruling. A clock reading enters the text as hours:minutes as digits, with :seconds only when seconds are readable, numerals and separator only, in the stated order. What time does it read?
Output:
1:16
